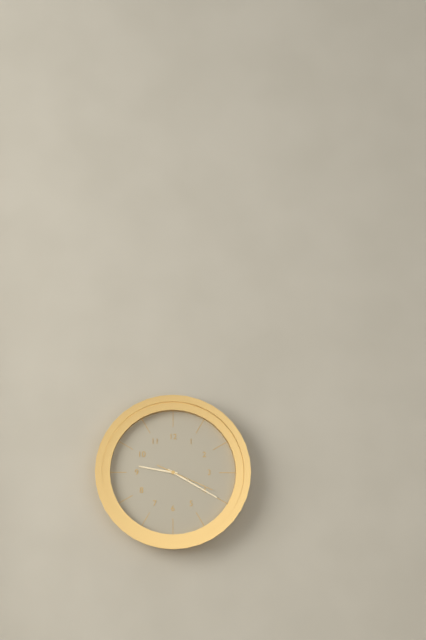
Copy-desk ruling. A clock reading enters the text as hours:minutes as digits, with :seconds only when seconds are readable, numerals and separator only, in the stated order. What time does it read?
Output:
9:20:19
